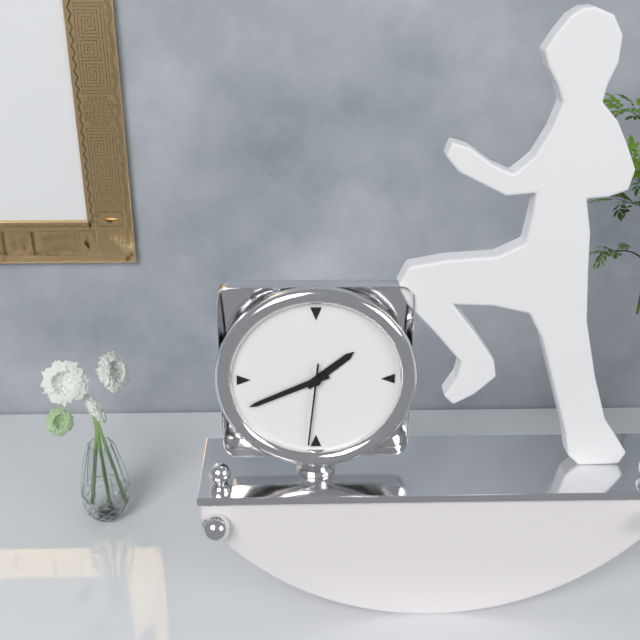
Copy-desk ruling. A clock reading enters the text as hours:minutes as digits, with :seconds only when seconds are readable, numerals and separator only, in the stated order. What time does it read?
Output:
1:41:31
